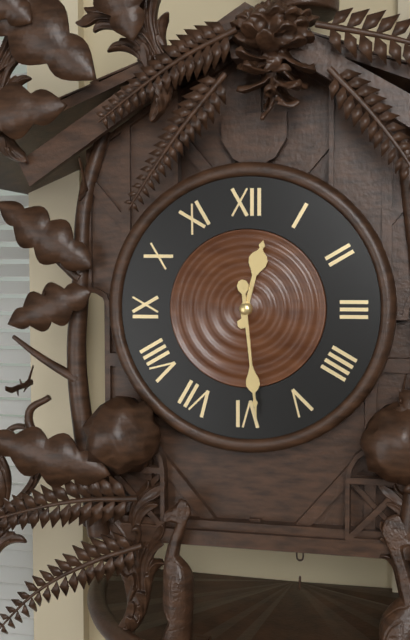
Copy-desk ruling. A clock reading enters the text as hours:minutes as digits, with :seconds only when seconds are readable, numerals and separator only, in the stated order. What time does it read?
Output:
12:29
